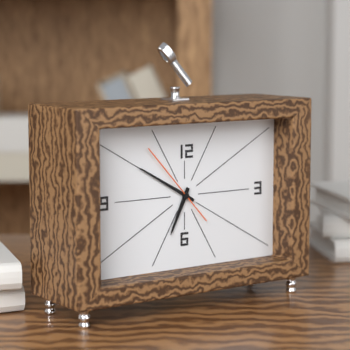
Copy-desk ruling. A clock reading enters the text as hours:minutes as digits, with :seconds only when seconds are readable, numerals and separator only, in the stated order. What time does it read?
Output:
6:50:53
